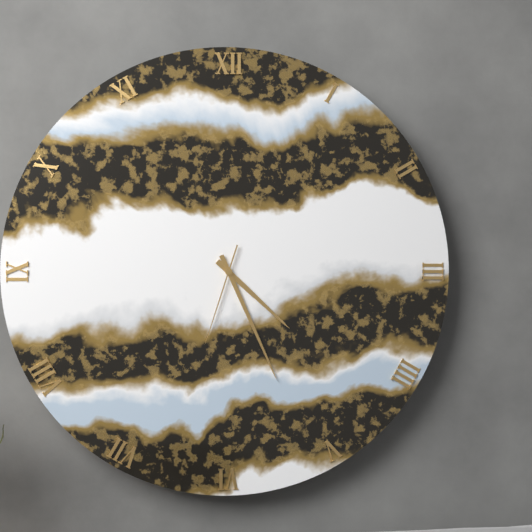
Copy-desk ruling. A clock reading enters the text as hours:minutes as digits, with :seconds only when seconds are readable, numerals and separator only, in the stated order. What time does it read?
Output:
4:26:33
